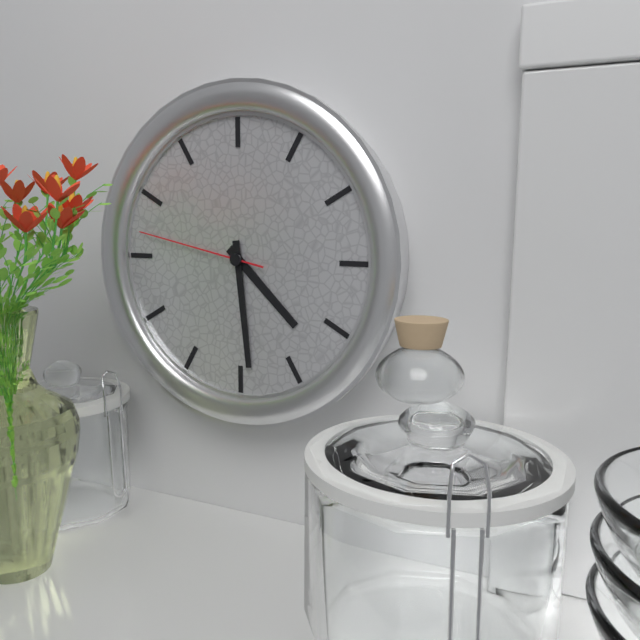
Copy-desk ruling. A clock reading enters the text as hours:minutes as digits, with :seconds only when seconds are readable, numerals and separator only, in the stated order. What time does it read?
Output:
4:29:47
